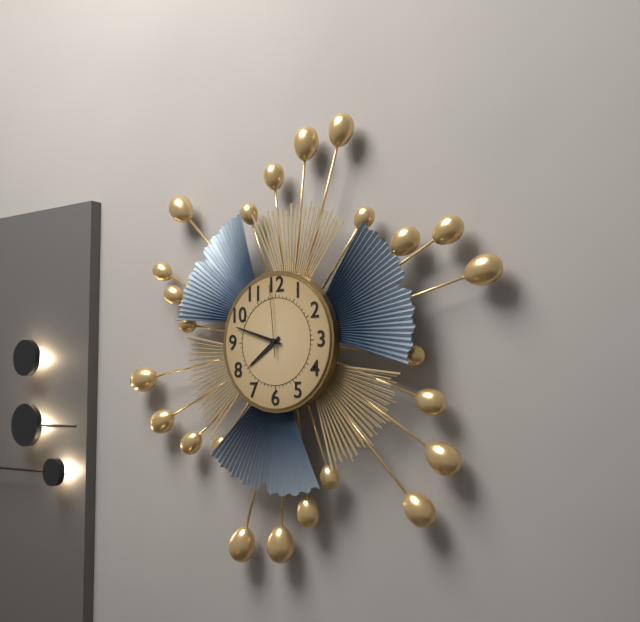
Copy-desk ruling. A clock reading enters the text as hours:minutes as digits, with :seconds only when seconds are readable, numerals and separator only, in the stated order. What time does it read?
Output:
7:48:59
